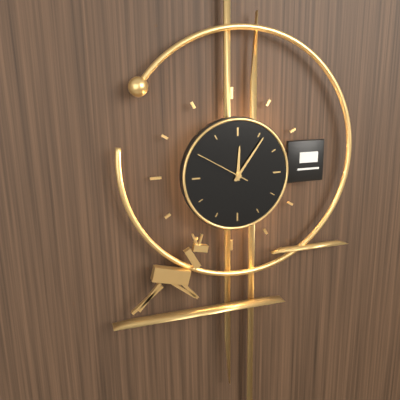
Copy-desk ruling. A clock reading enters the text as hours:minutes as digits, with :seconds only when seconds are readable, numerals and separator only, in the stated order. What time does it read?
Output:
12:06:50
